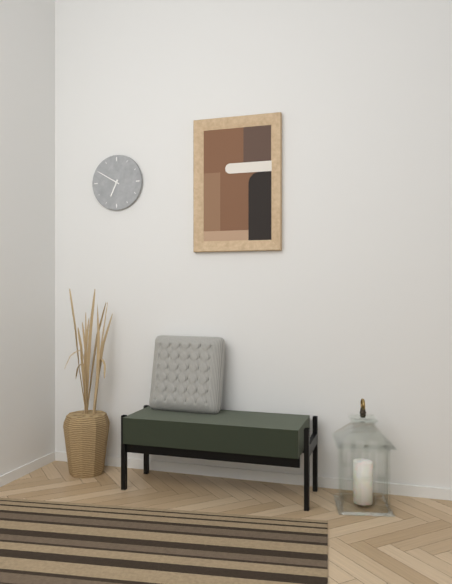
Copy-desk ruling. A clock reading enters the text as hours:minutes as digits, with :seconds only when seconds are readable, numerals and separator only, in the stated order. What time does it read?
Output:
6:50
